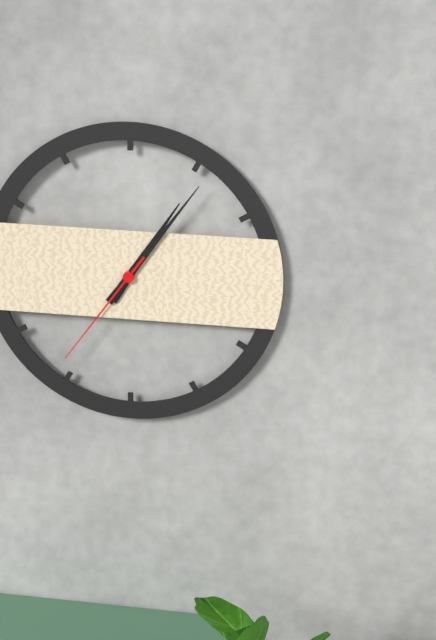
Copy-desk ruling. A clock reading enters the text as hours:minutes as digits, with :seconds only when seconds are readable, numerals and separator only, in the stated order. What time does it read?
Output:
1:06:36
